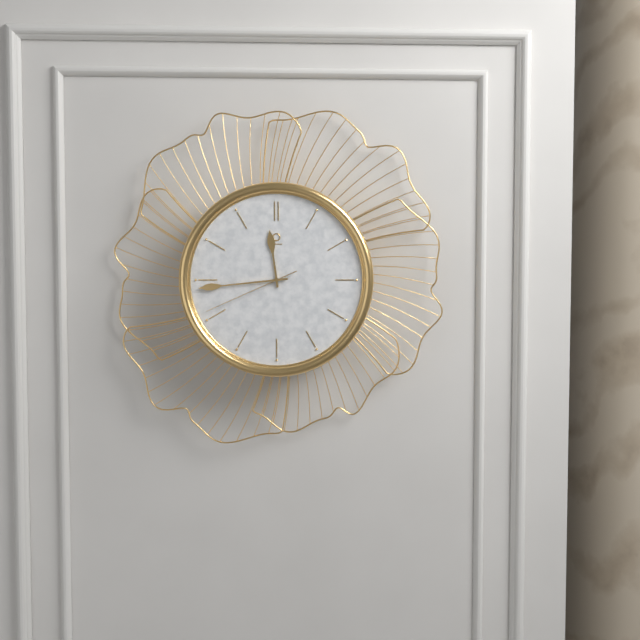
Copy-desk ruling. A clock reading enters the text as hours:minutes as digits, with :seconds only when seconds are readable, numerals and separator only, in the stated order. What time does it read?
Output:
11:44:41
